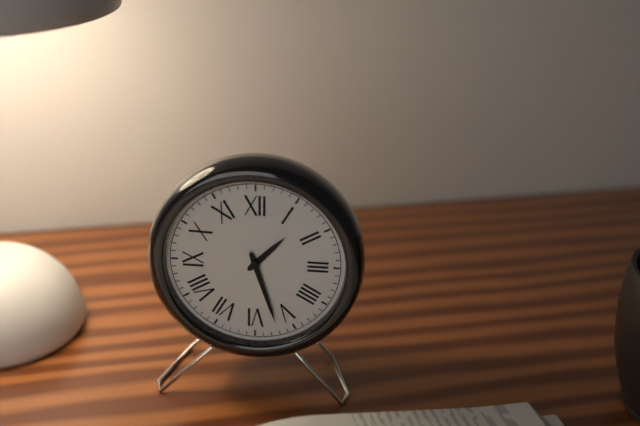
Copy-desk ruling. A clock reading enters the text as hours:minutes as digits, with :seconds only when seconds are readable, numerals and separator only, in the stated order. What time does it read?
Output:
1:27
